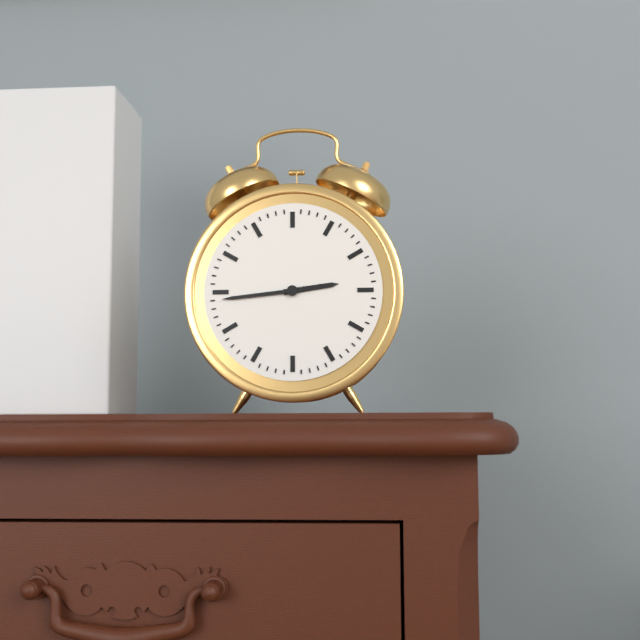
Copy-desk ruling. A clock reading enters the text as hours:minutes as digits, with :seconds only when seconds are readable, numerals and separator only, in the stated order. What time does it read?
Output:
2:44
